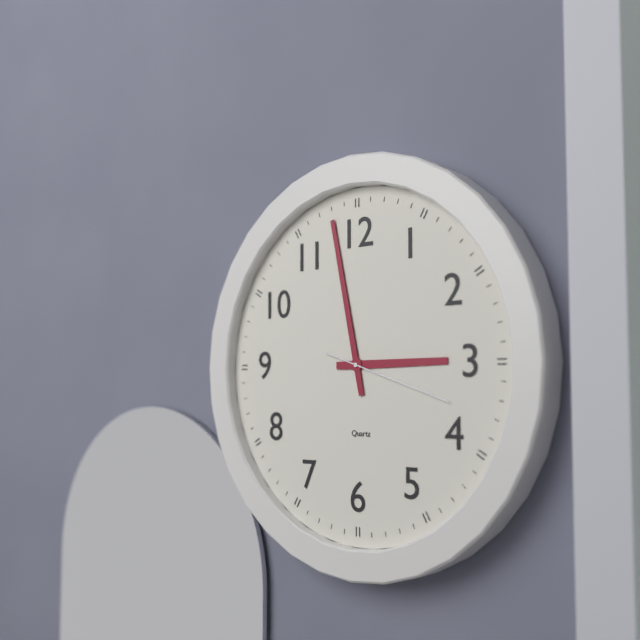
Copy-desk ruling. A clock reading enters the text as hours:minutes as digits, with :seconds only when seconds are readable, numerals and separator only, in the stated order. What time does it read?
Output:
2:58:18
